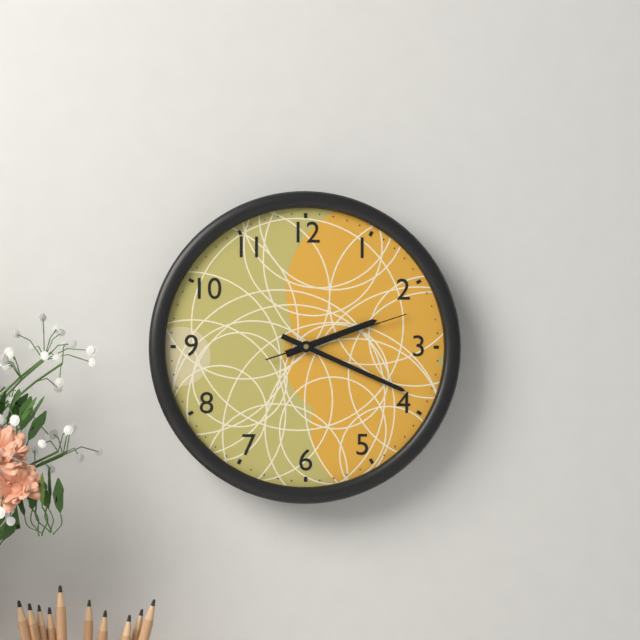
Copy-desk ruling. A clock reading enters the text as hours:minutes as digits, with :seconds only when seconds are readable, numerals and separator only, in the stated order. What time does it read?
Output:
2:19:12
